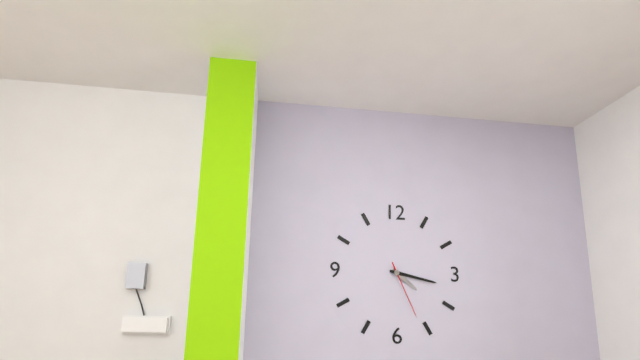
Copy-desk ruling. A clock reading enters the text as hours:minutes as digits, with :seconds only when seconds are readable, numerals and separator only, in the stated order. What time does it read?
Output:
4:17:26
